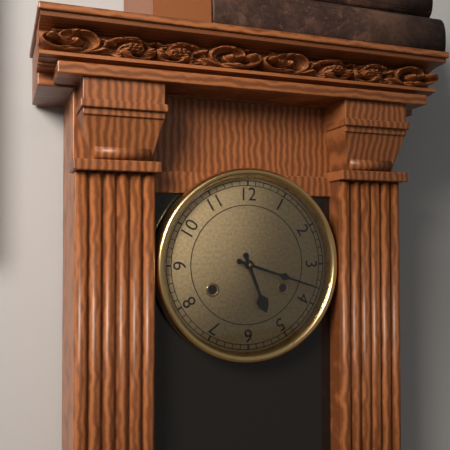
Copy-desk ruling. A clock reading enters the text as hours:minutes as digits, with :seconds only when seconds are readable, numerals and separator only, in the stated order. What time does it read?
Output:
5:18
